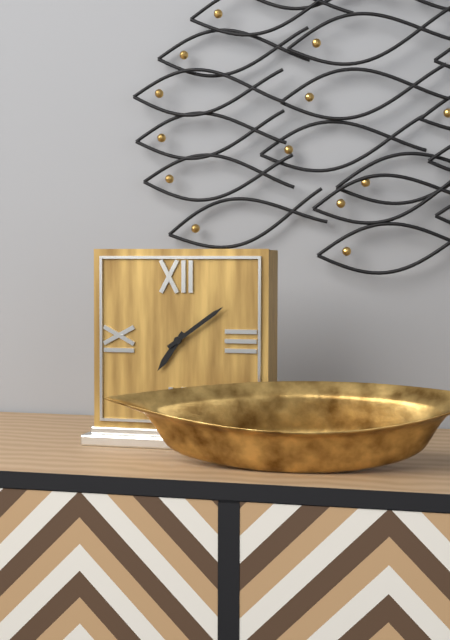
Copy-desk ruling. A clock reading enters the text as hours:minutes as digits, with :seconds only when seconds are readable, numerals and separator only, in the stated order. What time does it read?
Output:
7:09
